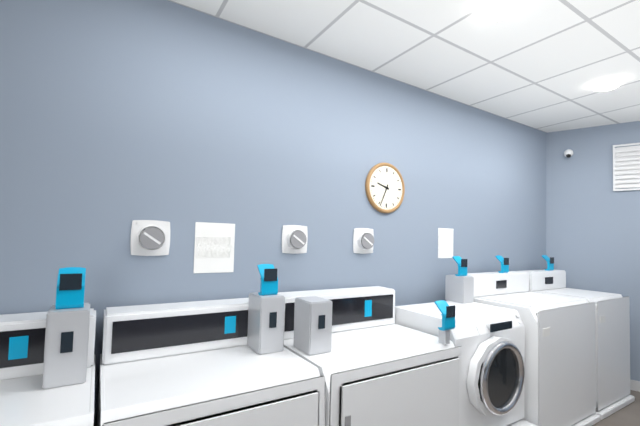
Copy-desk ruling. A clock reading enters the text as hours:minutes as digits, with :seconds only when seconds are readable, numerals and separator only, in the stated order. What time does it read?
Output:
9:34
